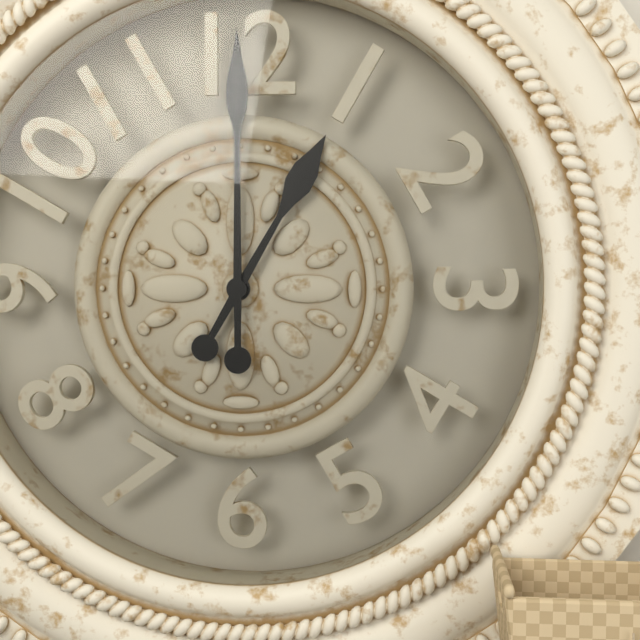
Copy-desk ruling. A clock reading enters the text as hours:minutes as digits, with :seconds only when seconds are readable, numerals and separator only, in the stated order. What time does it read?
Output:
1:00
